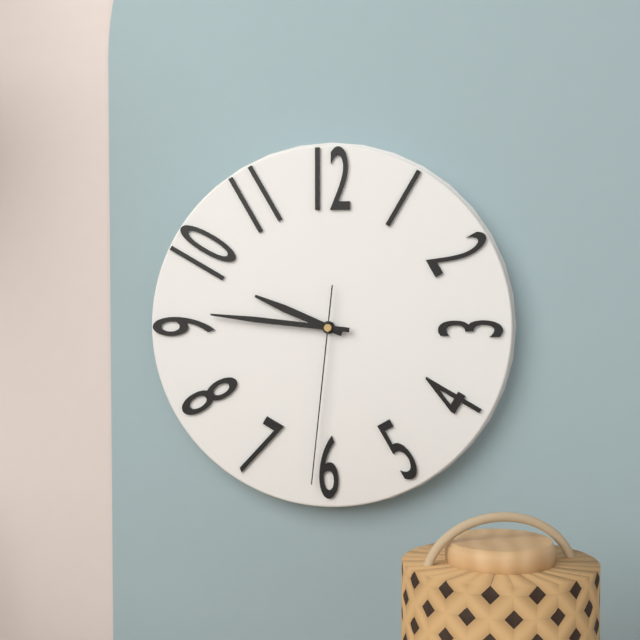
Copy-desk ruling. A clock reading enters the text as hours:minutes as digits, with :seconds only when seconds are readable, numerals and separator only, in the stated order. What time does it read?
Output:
9:46:31
